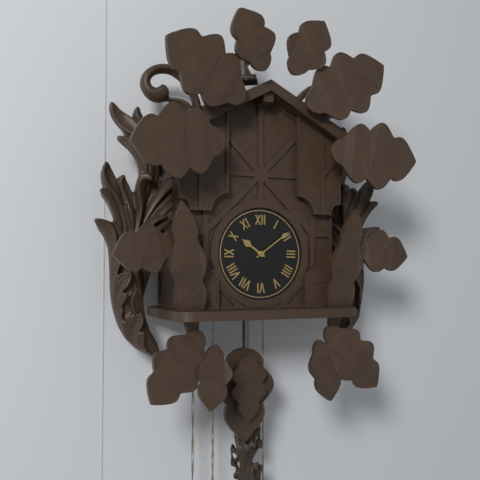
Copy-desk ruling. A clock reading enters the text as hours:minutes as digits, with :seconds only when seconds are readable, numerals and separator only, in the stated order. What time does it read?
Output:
10:09
